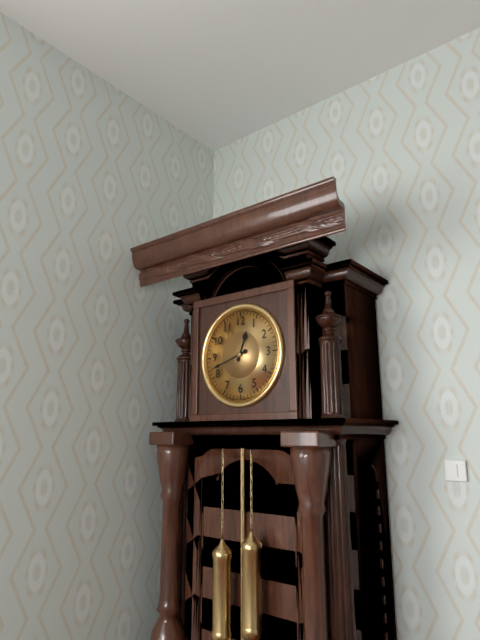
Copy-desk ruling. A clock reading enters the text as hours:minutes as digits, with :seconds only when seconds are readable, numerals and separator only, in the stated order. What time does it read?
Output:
12:42
